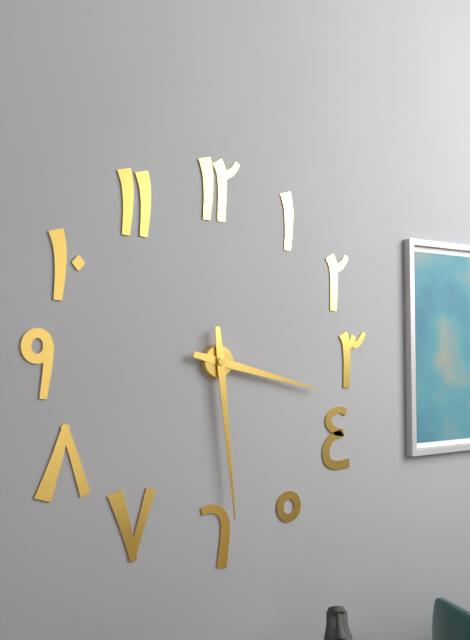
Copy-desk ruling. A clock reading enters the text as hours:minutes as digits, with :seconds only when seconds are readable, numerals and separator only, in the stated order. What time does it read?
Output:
3:29
